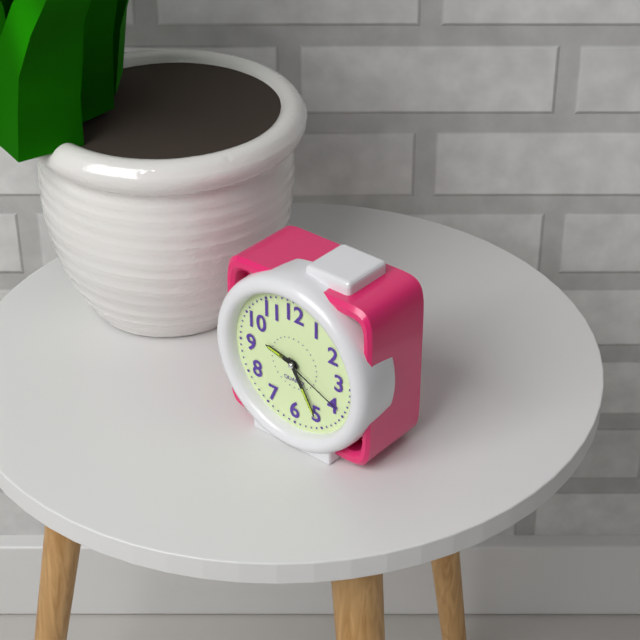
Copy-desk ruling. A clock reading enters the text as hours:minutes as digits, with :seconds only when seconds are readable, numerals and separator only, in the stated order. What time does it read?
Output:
9:25:19
